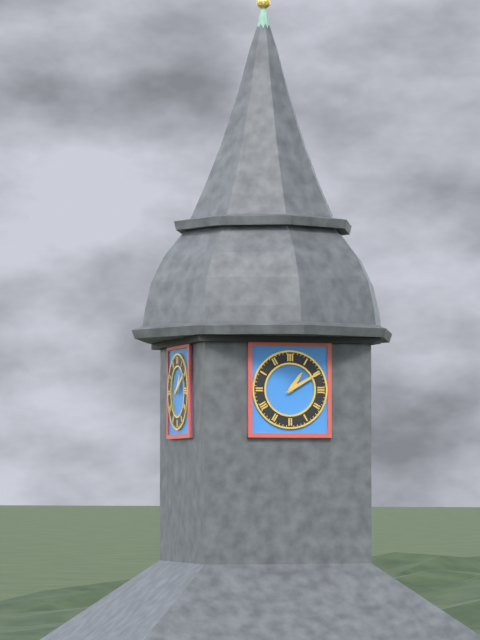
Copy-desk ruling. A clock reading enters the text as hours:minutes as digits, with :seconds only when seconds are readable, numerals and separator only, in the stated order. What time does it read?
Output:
1:10
